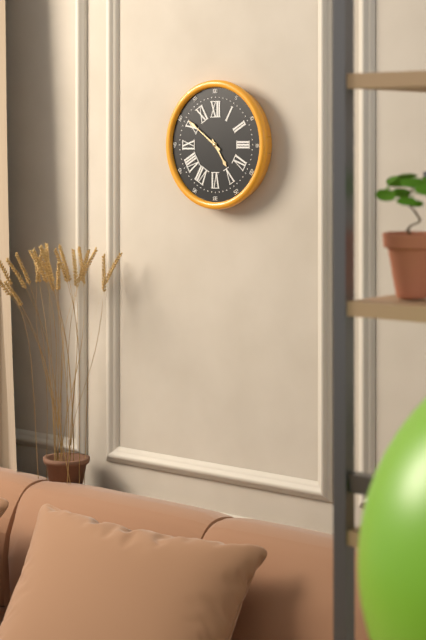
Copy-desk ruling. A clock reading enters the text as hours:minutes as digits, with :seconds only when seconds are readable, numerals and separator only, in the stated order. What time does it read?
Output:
4:51
